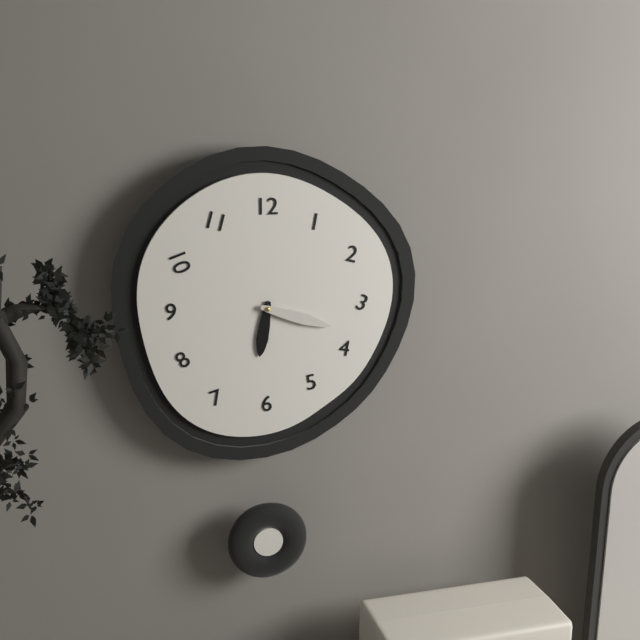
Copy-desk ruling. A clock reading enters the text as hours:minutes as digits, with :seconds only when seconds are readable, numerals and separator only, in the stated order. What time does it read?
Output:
6:18
